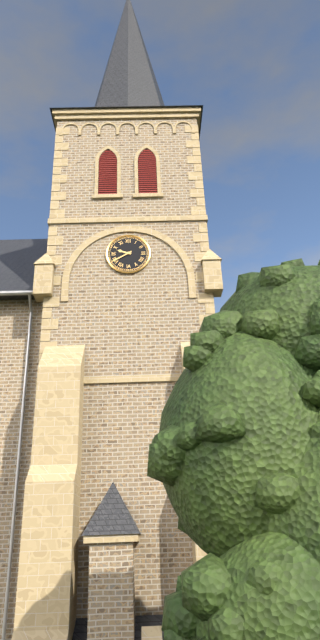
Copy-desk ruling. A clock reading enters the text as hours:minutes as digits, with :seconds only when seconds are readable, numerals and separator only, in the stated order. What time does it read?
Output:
9:40
